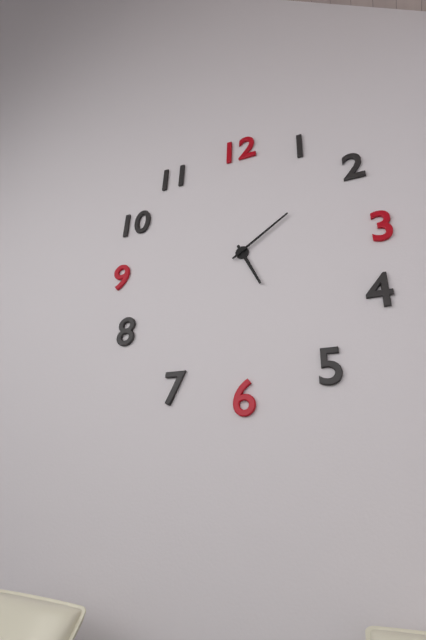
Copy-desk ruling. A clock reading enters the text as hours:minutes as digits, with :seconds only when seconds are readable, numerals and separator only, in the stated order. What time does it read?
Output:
5:09
